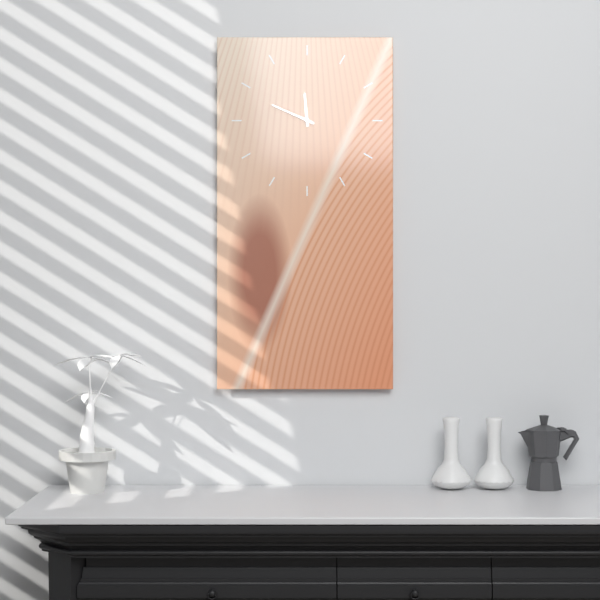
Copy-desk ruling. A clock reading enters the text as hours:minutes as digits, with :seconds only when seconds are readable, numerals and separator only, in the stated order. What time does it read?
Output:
11:49
